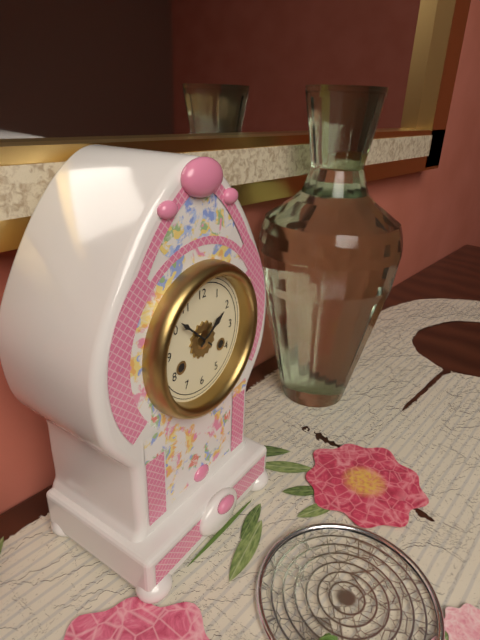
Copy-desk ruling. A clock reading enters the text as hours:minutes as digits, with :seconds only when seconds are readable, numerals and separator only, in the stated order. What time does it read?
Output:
1:52
